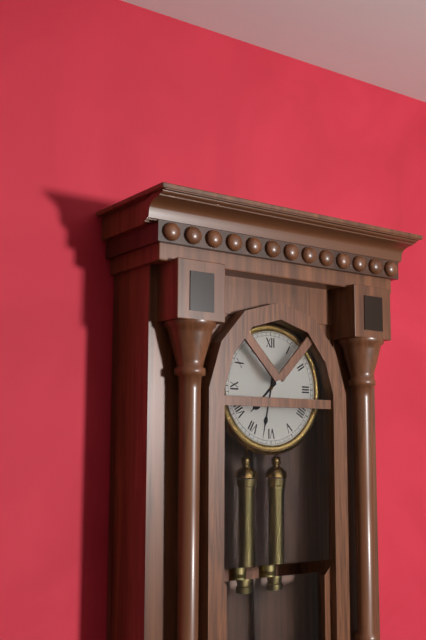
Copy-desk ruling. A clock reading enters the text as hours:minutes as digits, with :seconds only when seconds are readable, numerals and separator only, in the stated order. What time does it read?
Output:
7:32
